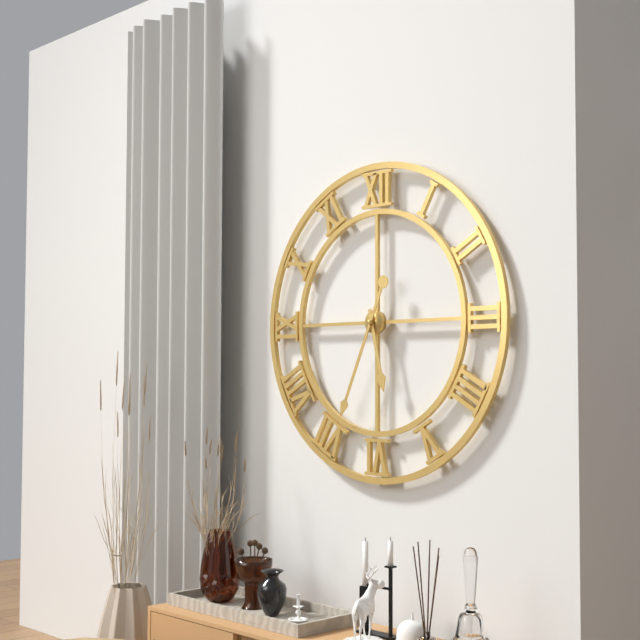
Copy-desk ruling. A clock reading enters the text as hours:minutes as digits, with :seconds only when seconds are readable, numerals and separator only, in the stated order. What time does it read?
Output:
5:34
